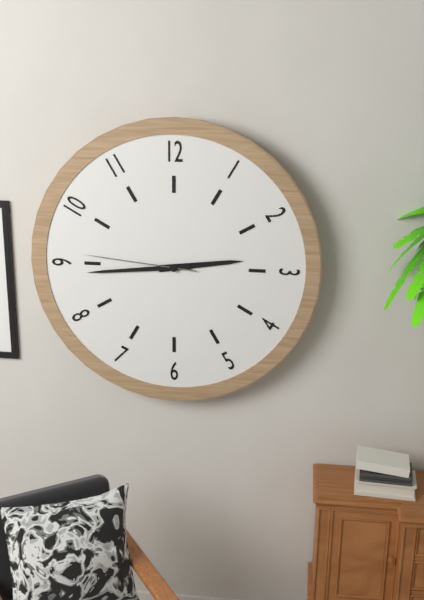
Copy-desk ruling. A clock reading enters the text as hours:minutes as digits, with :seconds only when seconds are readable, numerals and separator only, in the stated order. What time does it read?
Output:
2:44:46
